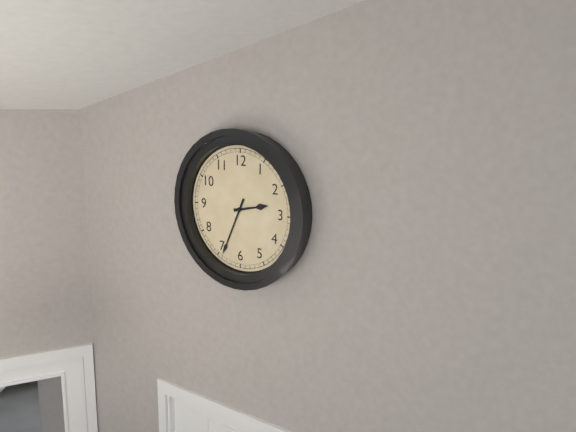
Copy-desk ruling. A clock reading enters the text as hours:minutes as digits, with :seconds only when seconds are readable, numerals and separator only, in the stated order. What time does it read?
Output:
2:34
